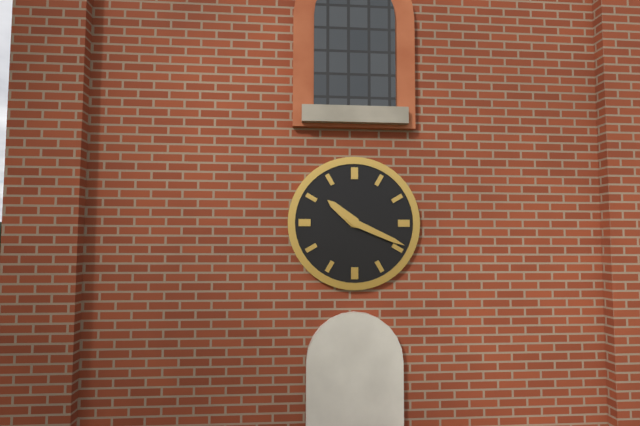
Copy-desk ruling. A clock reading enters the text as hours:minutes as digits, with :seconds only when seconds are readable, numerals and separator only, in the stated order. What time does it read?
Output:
10:19
